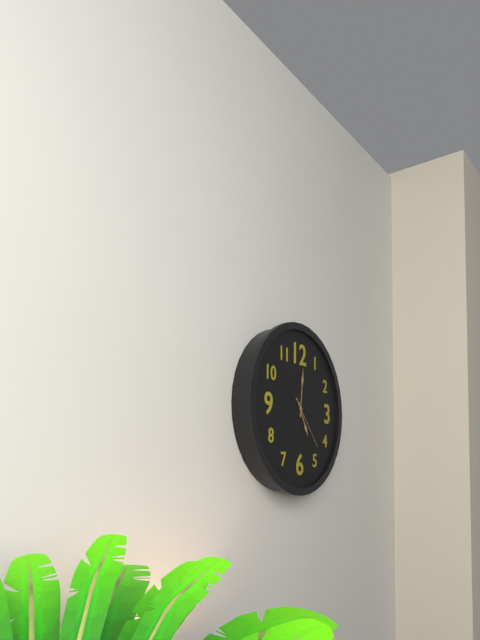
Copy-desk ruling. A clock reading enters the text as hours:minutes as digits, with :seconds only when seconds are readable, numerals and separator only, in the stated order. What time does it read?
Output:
5:01:23
